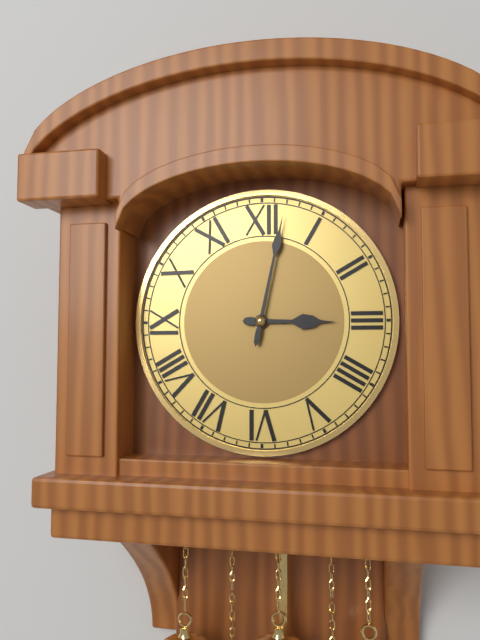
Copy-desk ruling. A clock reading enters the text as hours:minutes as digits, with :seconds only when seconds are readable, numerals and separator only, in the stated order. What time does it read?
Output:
3:02
